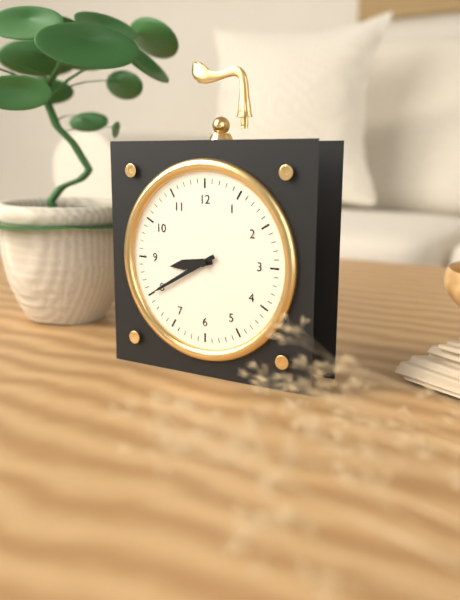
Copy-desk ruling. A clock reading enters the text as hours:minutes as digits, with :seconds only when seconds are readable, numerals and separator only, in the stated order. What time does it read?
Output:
8:40
